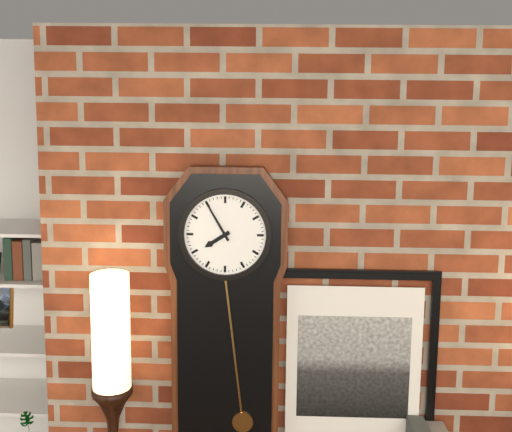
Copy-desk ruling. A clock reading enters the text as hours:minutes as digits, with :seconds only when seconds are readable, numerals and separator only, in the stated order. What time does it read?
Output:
7:55
